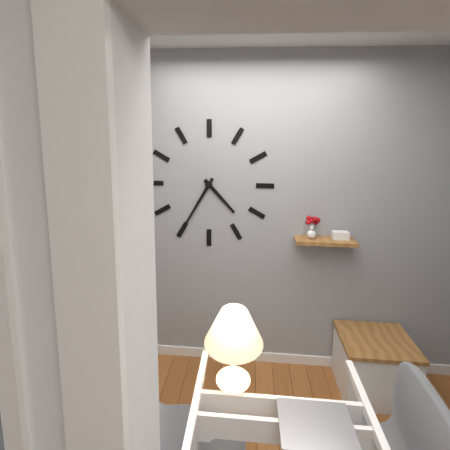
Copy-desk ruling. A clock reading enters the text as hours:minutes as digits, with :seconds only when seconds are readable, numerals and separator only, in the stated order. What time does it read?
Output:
4:35
